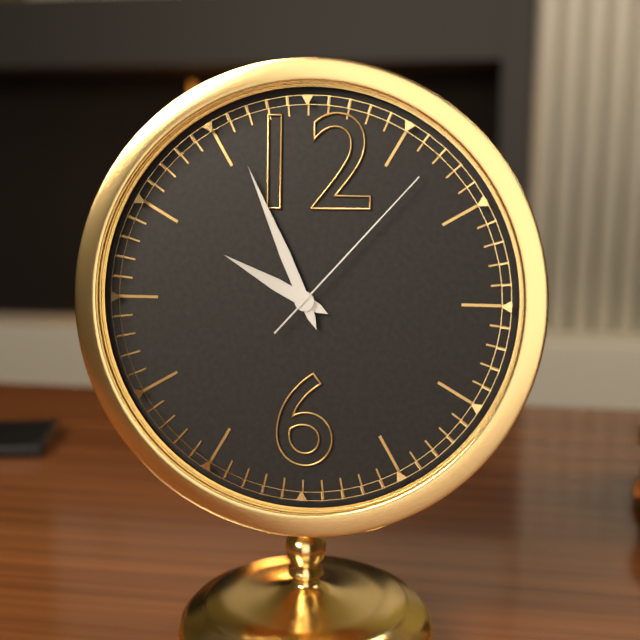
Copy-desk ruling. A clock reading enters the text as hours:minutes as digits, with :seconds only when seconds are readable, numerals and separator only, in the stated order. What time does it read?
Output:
9:56:07
